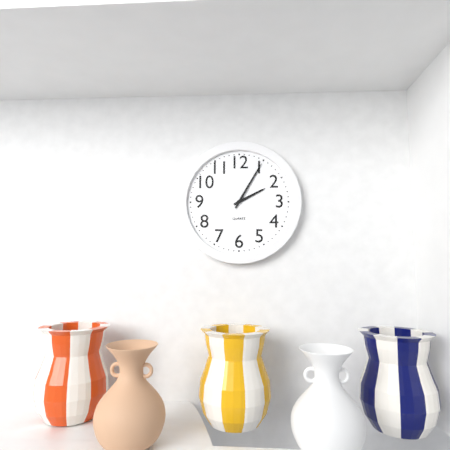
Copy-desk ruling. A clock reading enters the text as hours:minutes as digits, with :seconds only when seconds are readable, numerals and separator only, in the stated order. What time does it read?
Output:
2:05
